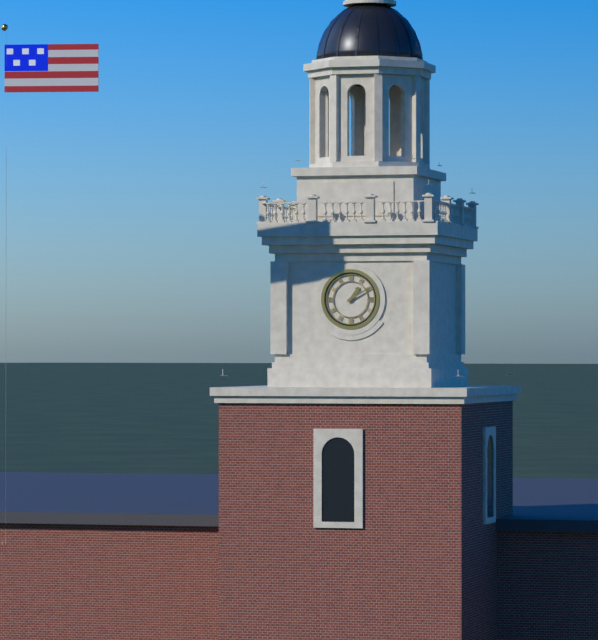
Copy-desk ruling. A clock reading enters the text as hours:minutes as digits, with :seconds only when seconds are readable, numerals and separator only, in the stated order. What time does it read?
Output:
1:10
